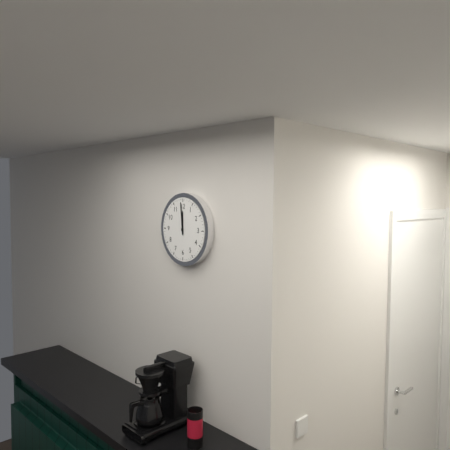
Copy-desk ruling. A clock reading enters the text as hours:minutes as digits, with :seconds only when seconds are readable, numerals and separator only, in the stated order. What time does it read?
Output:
11:59
